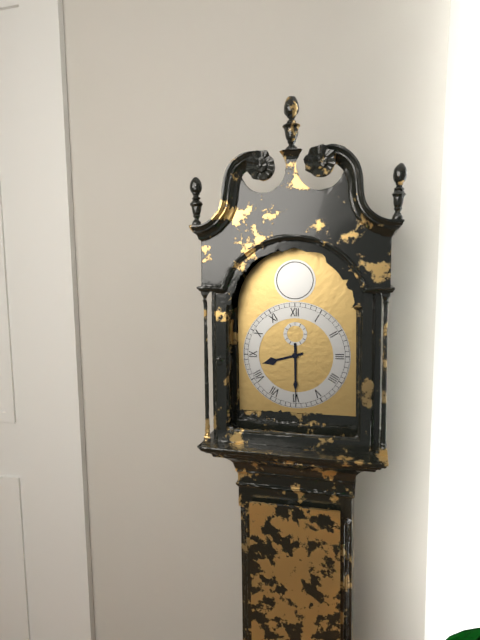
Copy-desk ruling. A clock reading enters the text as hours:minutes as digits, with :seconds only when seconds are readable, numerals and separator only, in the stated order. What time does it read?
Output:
8:30
